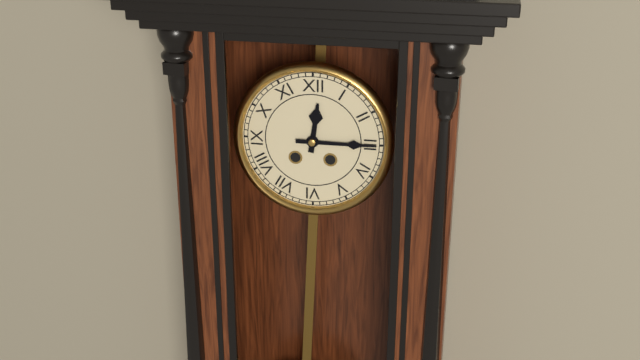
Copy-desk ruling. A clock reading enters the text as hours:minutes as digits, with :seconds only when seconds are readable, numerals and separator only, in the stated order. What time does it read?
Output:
12:15
